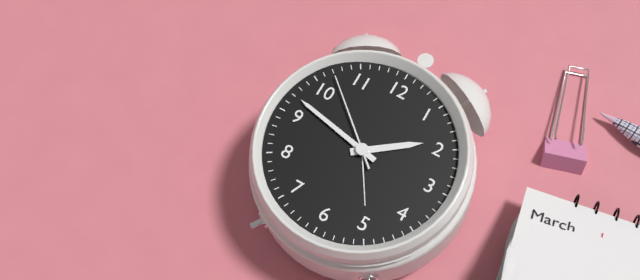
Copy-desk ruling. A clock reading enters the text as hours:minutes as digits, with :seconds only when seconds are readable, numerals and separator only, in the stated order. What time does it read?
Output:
1:47:52
